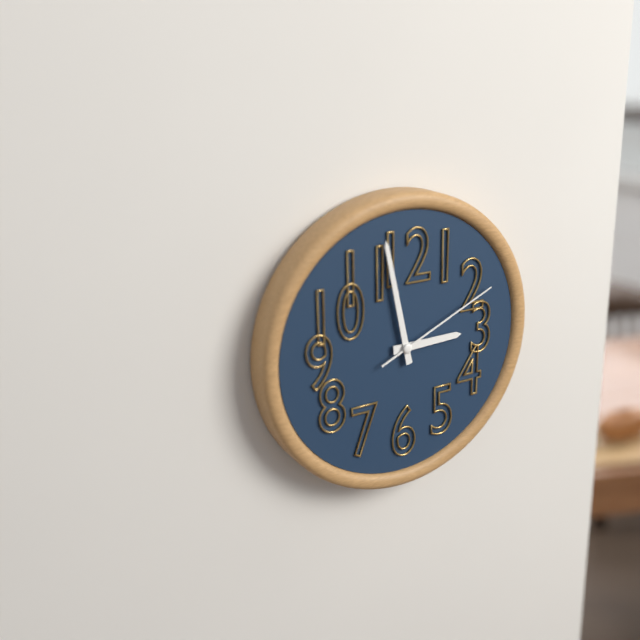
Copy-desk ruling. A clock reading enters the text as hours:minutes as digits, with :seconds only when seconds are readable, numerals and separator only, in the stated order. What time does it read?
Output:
2:58:11
